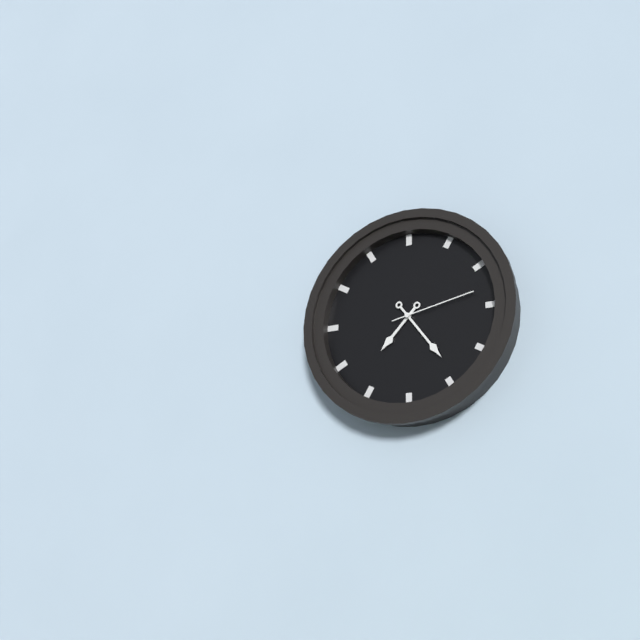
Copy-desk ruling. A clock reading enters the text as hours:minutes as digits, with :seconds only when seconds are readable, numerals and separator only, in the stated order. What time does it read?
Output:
7:24:13
